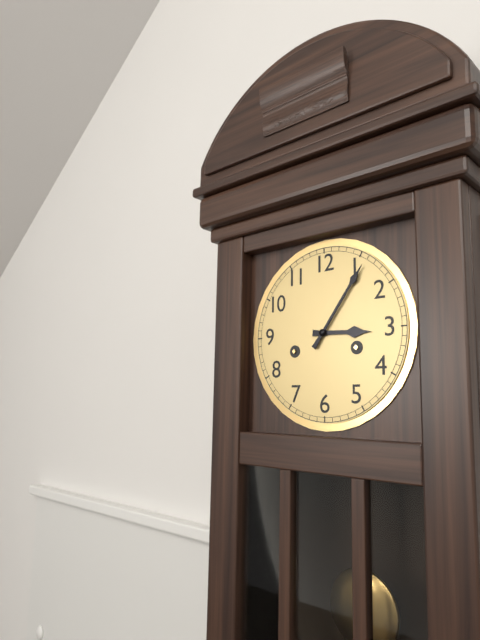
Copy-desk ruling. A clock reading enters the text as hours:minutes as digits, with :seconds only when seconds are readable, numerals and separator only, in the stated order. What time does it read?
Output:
3:06
